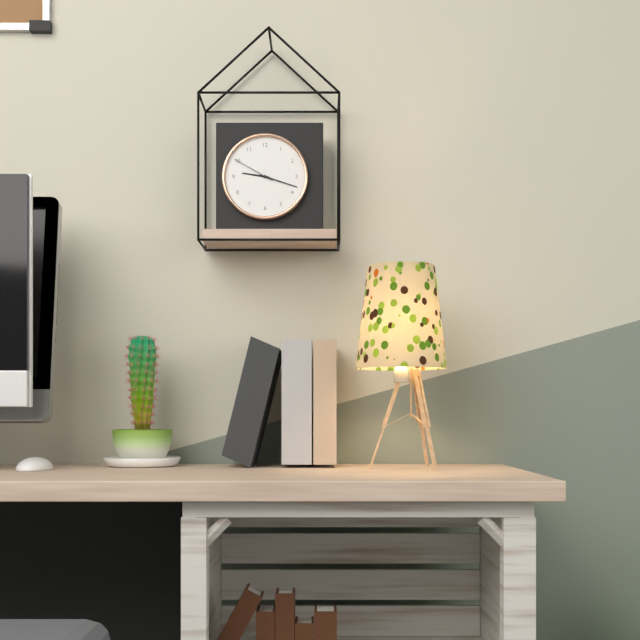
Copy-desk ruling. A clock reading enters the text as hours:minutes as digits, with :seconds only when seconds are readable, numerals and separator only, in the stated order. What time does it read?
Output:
9:18
